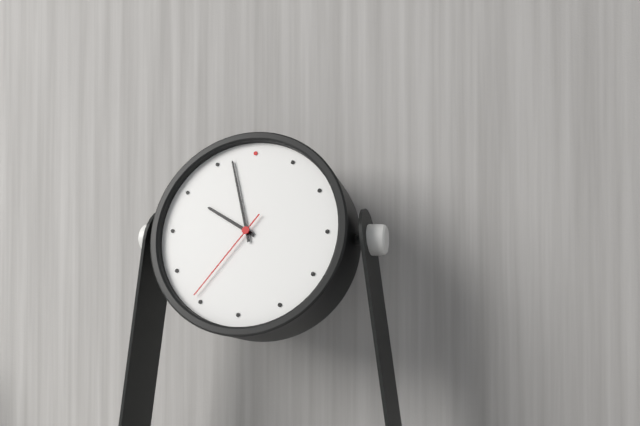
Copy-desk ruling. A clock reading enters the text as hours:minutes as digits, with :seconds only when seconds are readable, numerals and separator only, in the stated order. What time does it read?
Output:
9:57:36
